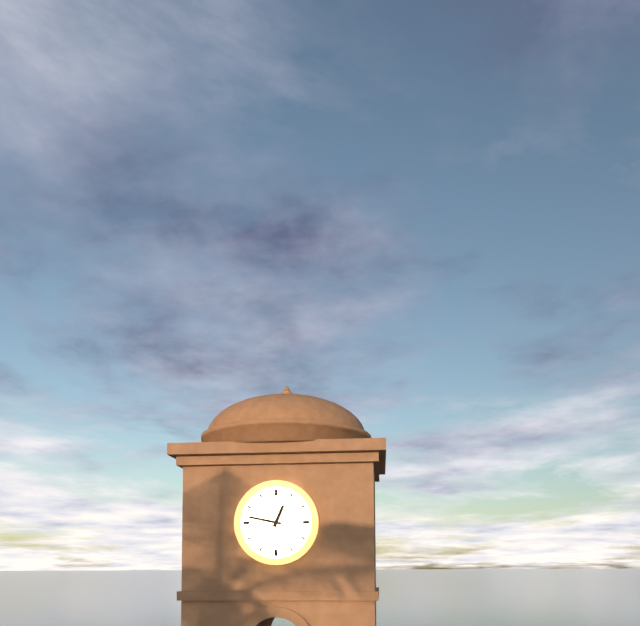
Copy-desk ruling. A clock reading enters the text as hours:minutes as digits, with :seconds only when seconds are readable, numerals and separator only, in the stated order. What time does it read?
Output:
12:47
